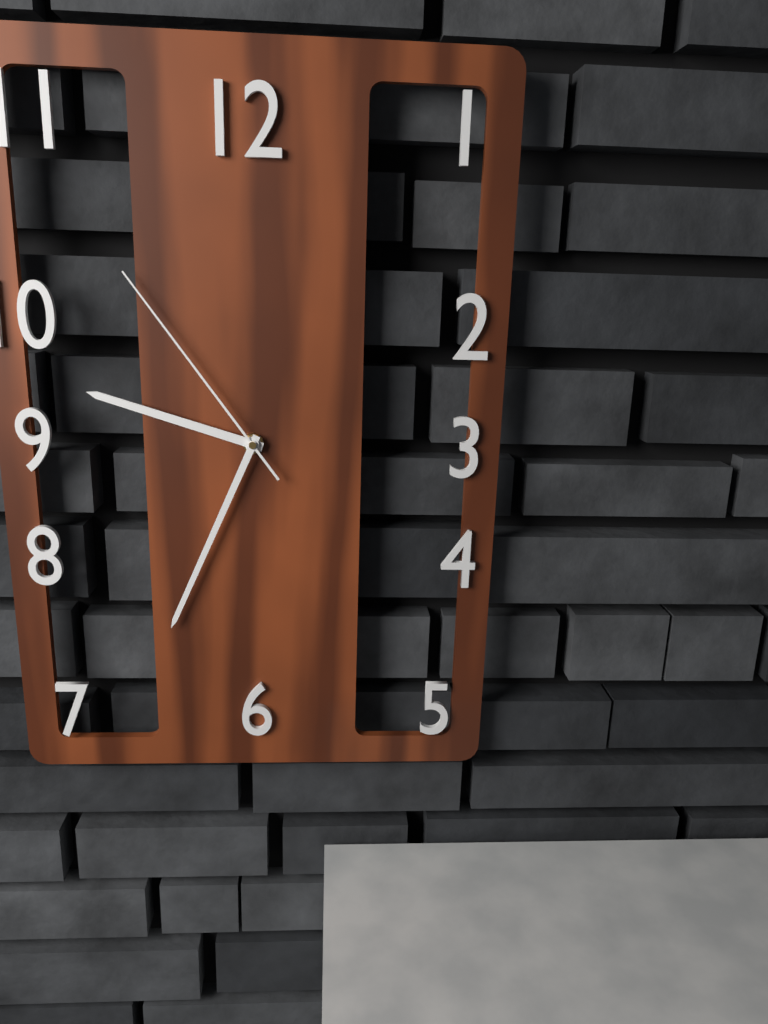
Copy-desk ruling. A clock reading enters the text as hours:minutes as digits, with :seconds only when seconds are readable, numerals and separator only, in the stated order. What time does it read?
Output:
9:34:54
